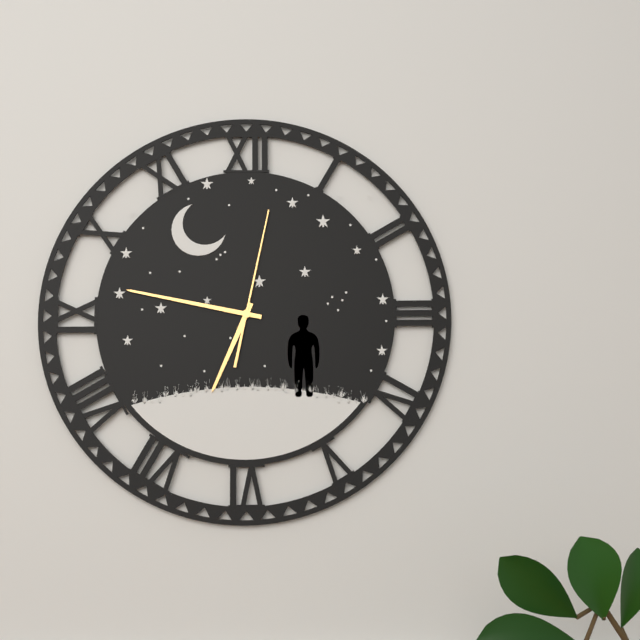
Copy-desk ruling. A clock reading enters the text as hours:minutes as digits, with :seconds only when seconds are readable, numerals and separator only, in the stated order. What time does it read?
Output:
6:47:02
